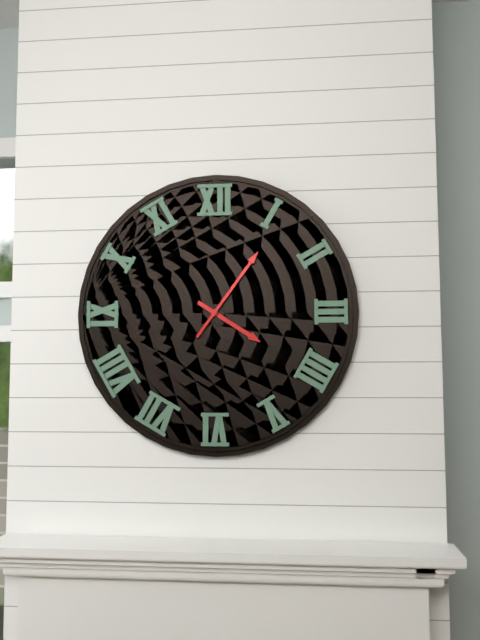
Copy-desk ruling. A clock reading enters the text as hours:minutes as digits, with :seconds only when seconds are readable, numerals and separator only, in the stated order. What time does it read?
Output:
4:06
